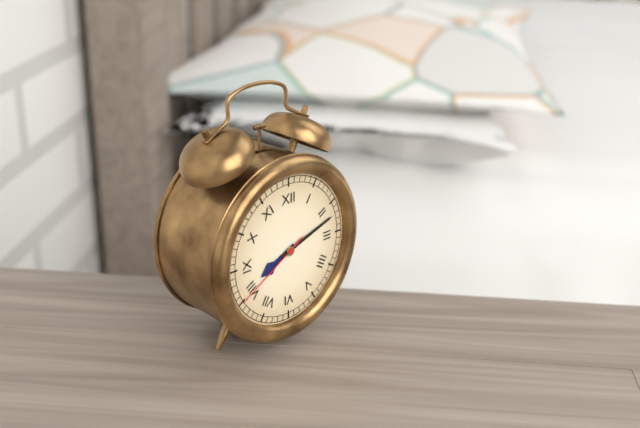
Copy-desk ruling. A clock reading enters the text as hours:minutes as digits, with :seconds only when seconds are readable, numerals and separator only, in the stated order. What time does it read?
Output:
8:12:40
